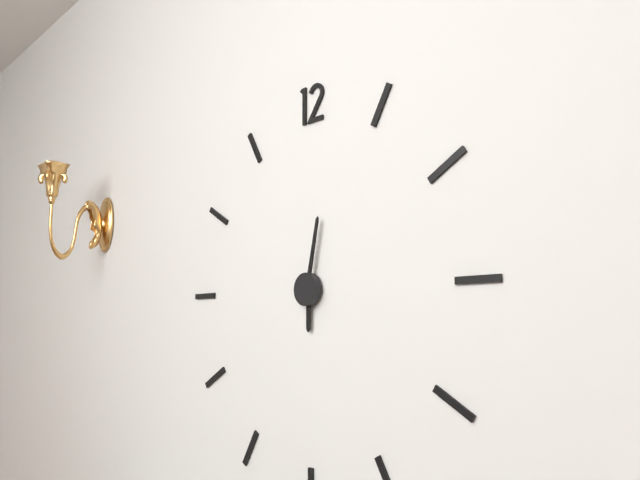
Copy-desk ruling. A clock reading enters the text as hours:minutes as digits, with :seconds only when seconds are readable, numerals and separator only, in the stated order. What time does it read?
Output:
6:02
